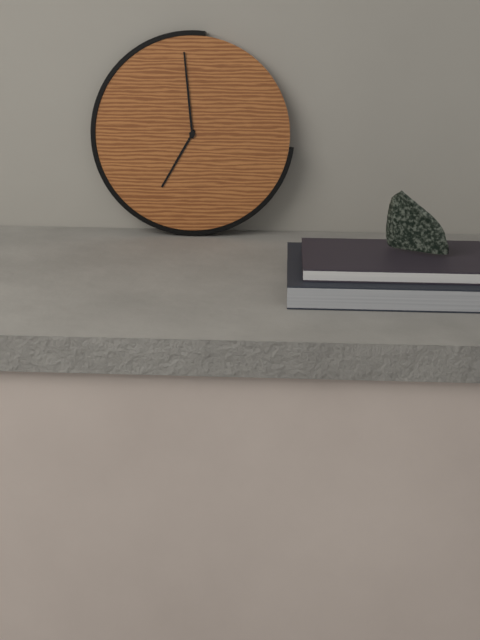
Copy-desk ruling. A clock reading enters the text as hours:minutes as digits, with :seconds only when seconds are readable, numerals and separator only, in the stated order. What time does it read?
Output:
6:59
